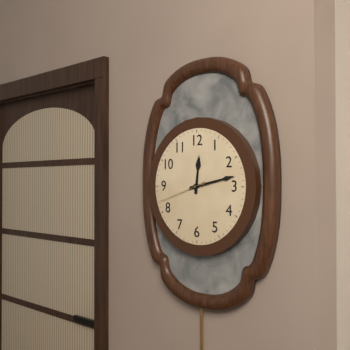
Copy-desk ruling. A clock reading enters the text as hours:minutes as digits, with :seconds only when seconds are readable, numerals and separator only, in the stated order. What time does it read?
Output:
12:13:42
